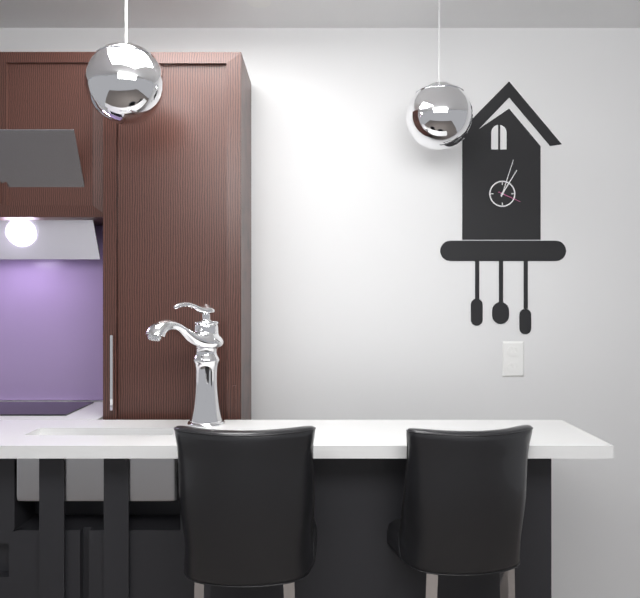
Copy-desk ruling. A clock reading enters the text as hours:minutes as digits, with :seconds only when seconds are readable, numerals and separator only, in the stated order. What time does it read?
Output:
1:03
